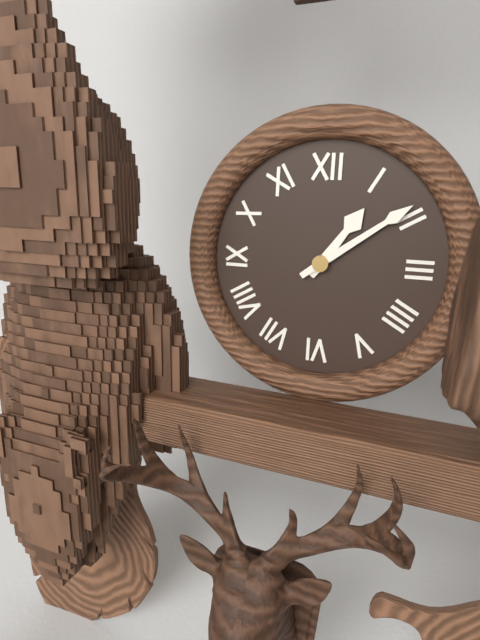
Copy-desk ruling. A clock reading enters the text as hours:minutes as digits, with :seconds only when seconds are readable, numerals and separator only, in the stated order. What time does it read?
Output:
1:09
